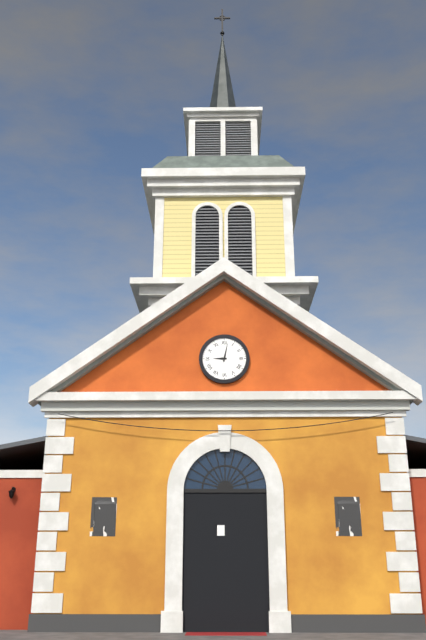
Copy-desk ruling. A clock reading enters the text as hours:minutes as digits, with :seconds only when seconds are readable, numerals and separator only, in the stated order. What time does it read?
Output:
9:02
